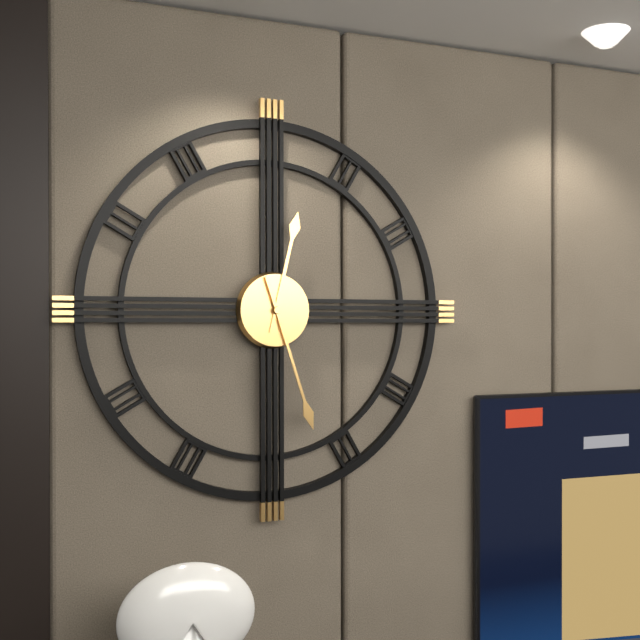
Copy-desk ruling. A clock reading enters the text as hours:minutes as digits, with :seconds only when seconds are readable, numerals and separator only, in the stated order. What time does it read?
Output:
12:27
